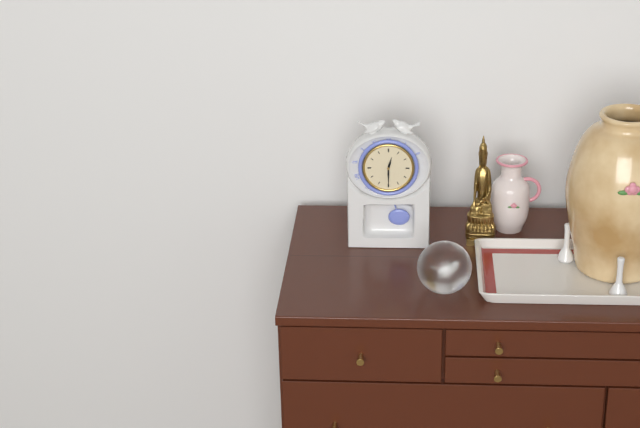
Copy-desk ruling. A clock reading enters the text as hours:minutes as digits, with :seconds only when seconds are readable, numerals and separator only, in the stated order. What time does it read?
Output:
12:30
